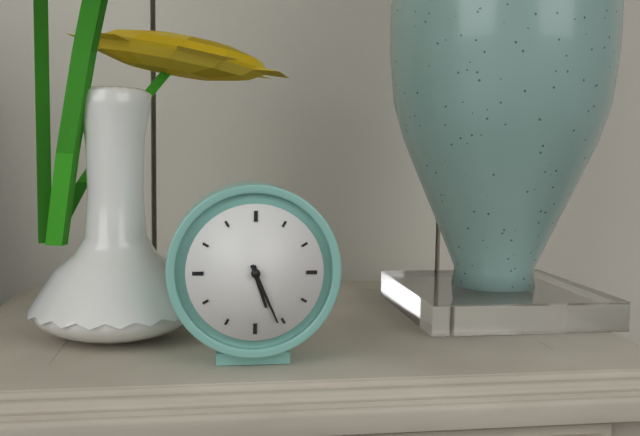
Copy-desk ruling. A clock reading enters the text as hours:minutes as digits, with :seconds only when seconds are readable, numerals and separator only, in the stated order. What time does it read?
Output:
5:26
